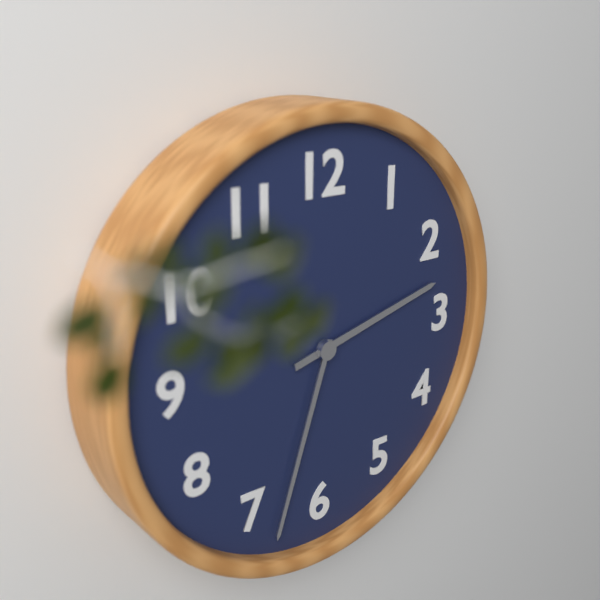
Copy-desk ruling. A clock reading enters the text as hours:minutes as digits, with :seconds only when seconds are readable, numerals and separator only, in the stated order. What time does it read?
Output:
2:33
